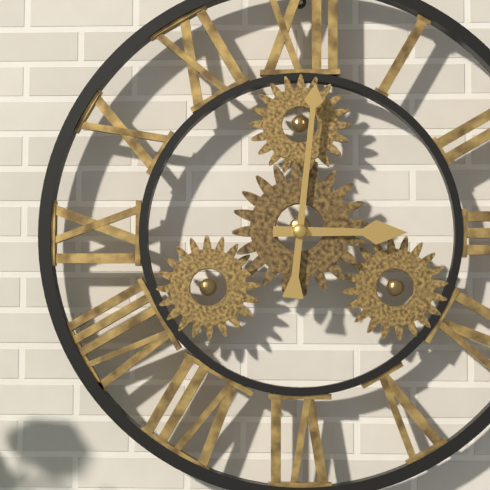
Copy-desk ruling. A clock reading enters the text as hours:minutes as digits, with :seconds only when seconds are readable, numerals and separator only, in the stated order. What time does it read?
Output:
3:01
